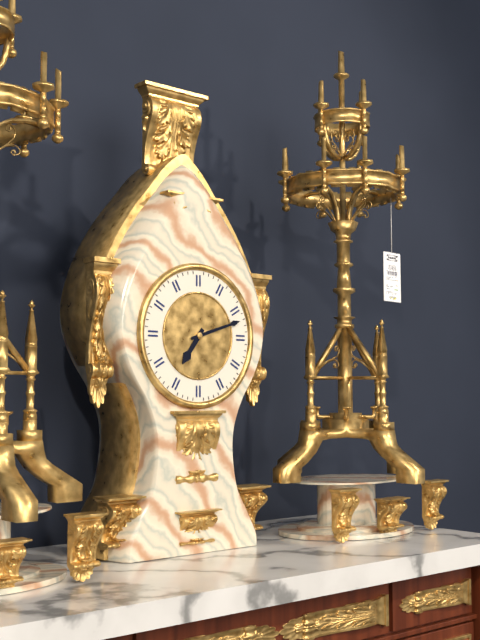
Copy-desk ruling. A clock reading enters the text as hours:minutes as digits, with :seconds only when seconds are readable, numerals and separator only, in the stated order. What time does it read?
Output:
7:12
